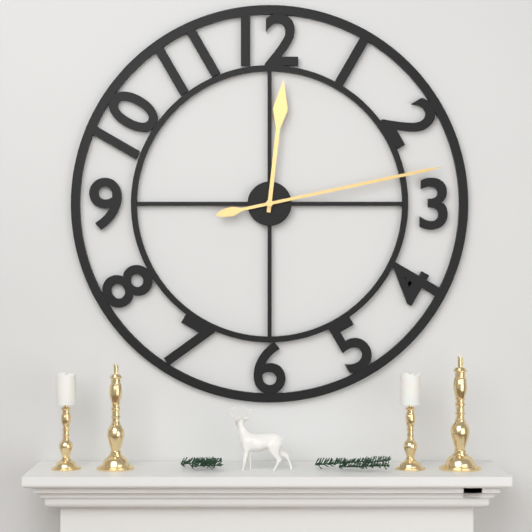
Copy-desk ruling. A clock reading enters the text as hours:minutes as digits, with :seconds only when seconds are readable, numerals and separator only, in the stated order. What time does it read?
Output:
12:13
